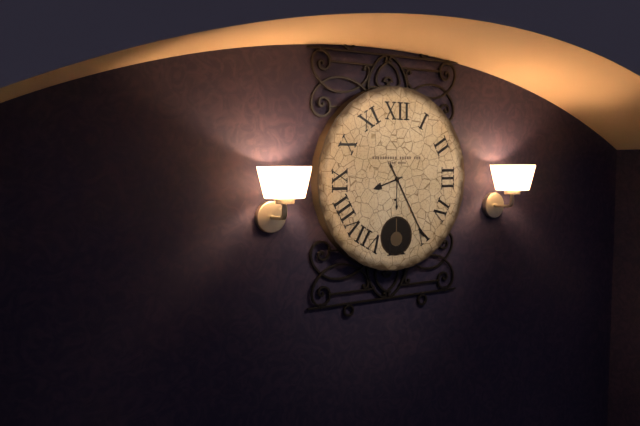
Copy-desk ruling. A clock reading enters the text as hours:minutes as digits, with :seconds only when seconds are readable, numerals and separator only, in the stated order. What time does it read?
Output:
8:25
